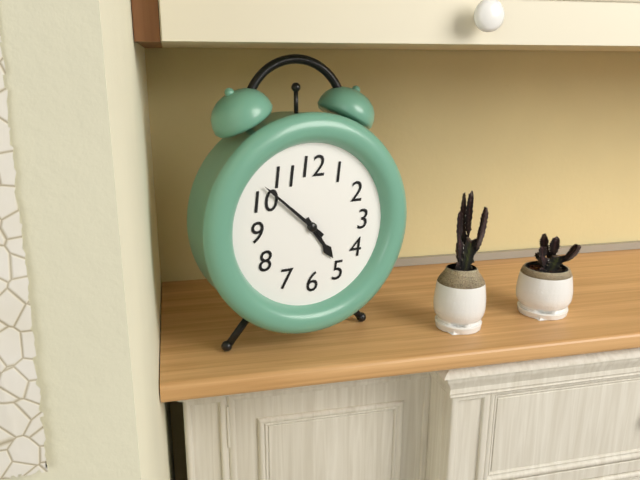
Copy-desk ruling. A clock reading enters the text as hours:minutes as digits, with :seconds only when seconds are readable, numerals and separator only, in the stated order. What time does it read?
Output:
4:52
